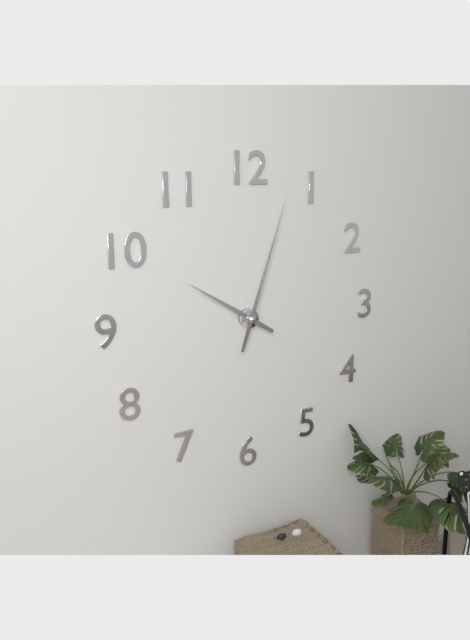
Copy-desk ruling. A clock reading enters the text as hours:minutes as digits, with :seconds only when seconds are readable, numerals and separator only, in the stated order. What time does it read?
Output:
10:03
